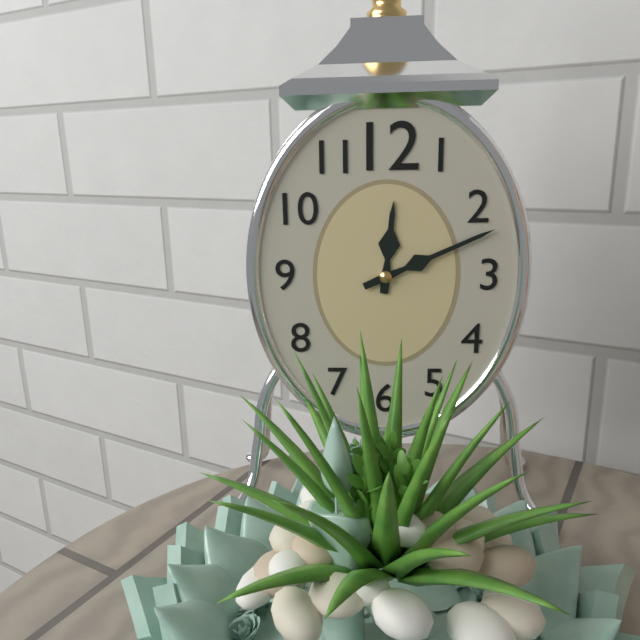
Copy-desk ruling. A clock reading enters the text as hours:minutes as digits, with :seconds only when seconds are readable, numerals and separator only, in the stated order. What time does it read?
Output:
12:11
